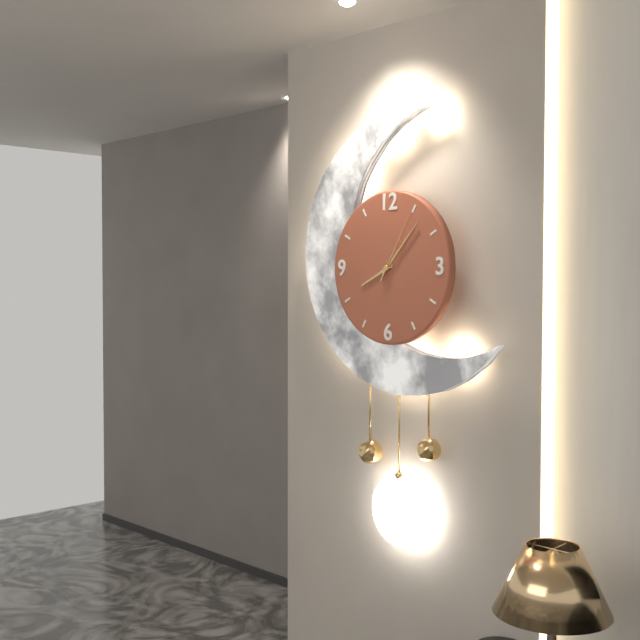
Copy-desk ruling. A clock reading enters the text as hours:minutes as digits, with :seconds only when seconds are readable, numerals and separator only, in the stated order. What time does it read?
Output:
8:07:05
